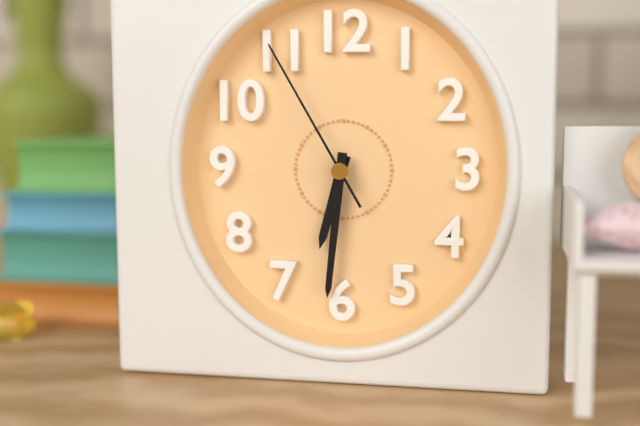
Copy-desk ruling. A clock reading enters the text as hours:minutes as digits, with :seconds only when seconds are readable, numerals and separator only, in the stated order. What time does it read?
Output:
6:31:55
